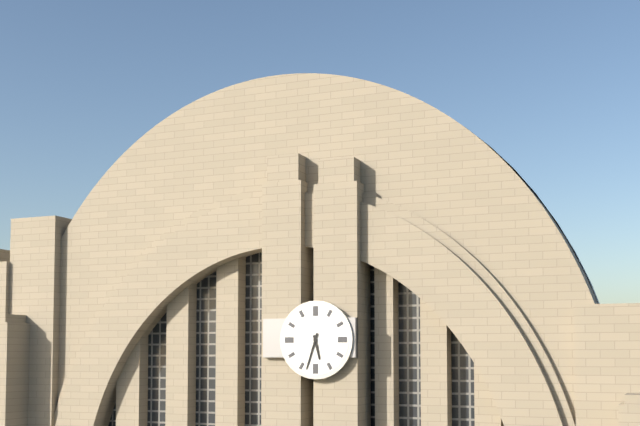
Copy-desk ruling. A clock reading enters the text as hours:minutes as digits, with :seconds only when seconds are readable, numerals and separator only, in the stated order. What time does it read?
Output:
5:33
